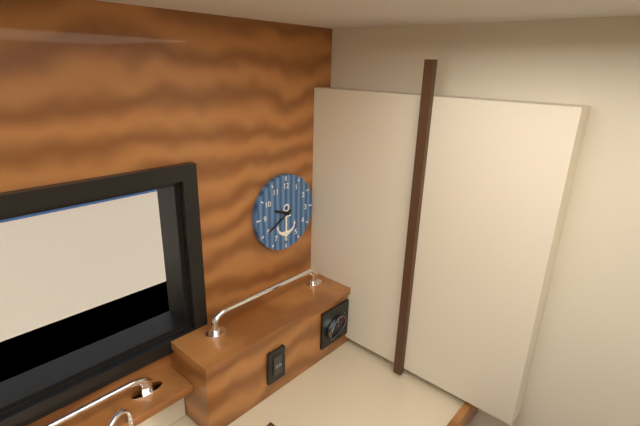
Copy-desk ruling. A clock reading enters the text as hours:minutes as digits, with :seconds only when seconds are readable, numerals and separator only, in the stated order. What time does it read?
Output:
9:40
